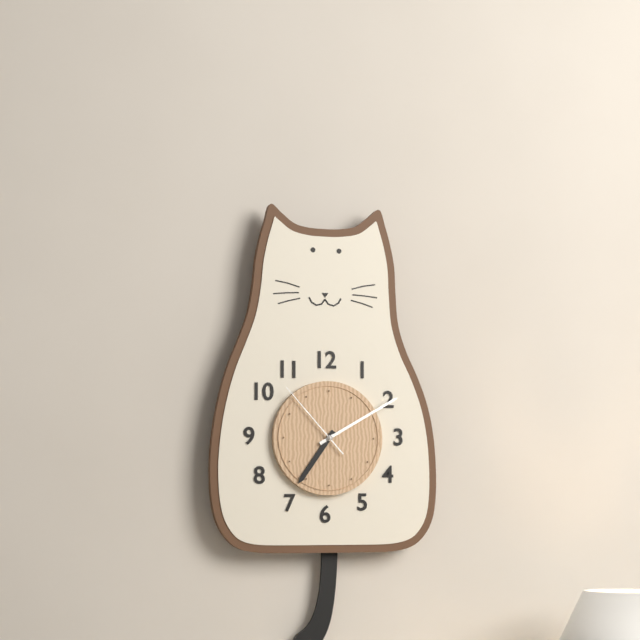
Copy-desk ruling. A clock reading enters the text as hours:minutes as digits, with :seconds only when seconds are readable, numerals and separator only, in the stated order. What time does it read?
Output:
7:10:53
